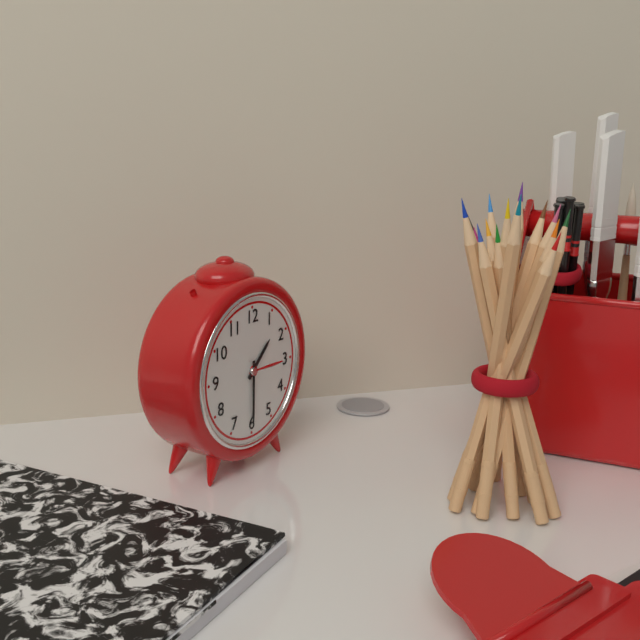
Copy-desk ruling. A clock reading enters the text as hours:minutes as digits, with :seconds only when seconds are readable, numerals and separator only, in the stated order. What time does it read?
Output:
1:30
